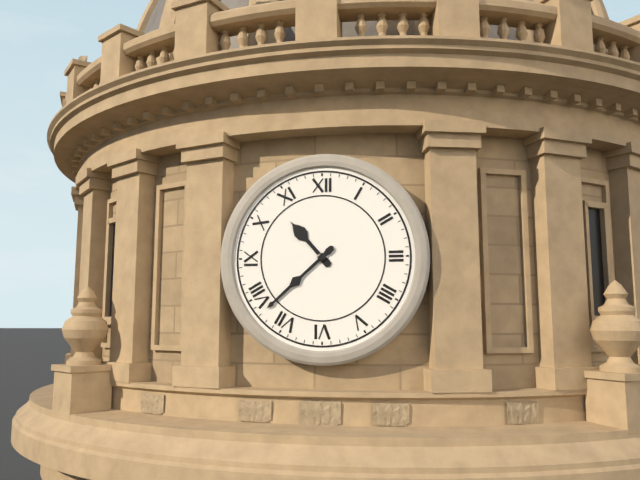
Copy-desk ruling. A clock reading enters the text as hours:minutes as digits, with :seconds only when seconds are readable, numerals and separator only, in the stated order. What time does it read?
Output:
10:38
